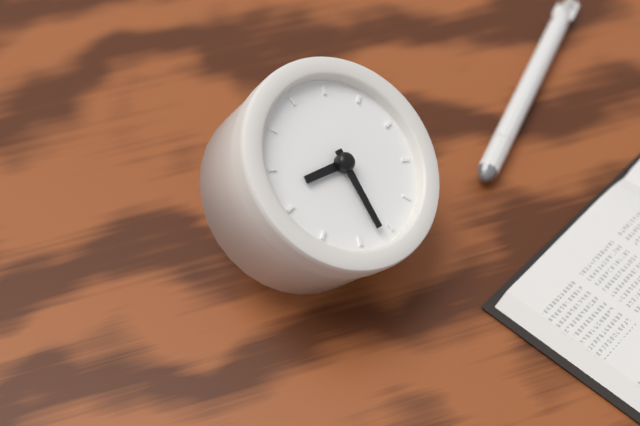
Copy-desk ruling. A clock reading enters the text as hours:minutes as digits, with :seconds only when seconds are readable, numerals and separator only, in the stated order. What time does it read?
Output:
8:27
